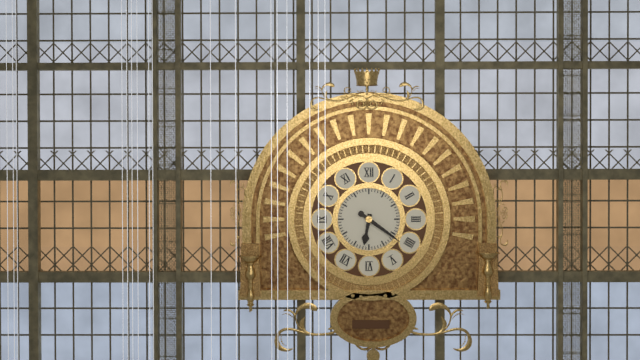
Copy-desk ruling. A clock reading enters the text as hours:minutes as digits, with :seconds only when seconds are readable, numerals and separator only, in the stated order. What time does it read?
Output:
6:21
